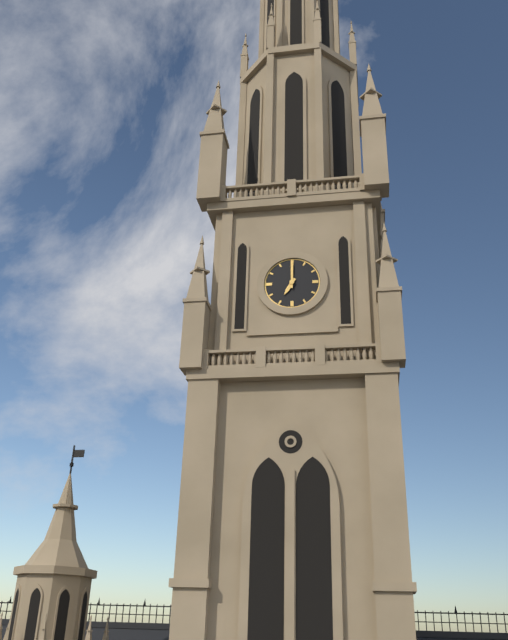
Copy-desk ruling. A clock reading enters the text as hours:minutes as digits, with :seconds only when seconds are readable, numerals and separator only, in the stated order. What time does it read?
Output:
7:00
